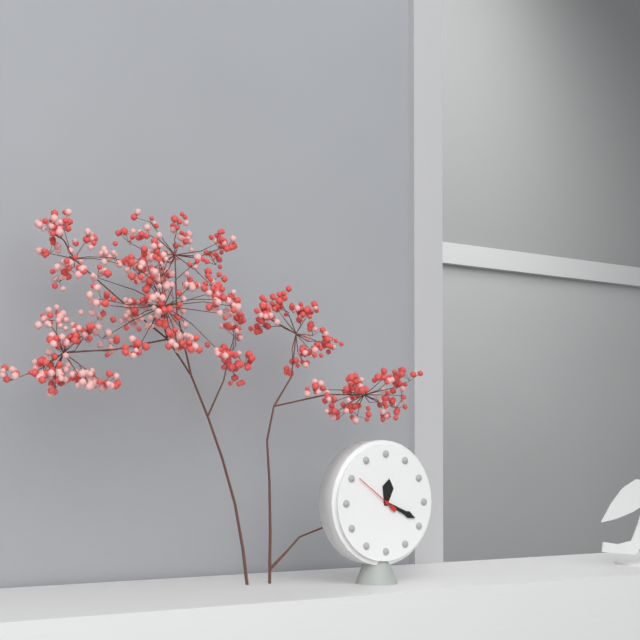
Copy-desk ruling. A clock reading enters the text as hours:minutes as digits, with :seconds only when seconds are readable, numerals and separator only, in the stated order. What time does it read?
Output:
12:19
